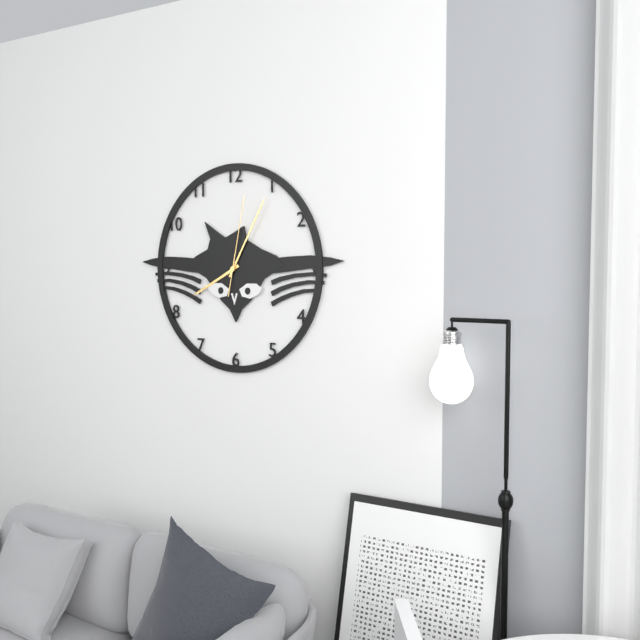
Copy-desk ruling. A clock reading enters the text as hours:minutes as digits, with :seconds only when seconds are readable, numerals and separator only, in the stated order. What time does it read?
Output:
8:05:02
